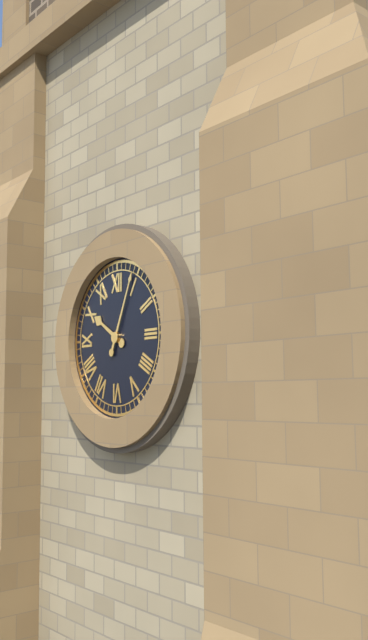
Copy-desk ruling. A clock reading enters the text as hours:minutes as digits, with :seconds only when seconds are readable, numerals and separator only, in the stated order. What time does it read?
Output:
10:04
